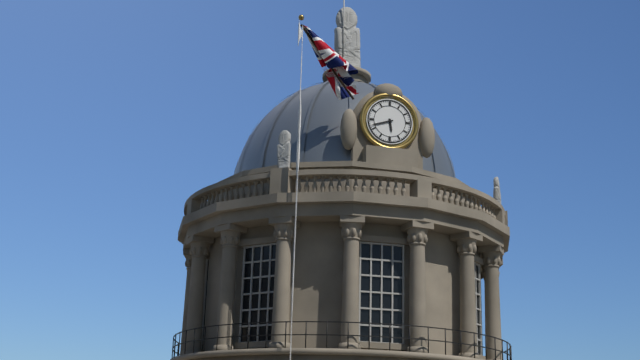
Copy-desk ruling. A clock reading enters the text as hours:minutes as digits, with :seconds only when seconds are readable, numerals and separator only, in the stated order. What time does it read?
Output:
5:42
